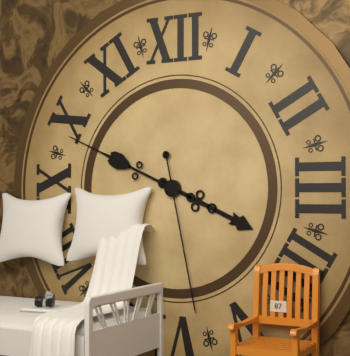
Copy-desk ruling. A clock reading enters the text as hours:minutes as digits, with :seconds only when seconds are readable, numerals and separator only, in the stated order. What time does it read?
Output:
3:49:28
